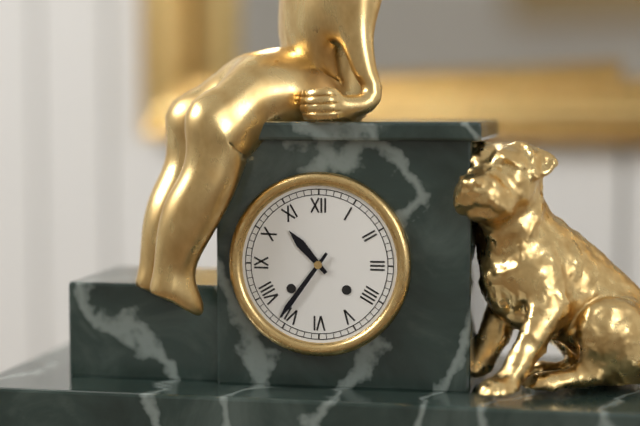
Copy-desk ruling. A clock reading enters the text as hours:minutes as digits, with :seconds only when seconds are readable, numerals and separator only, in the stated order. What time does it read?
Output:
10:36
